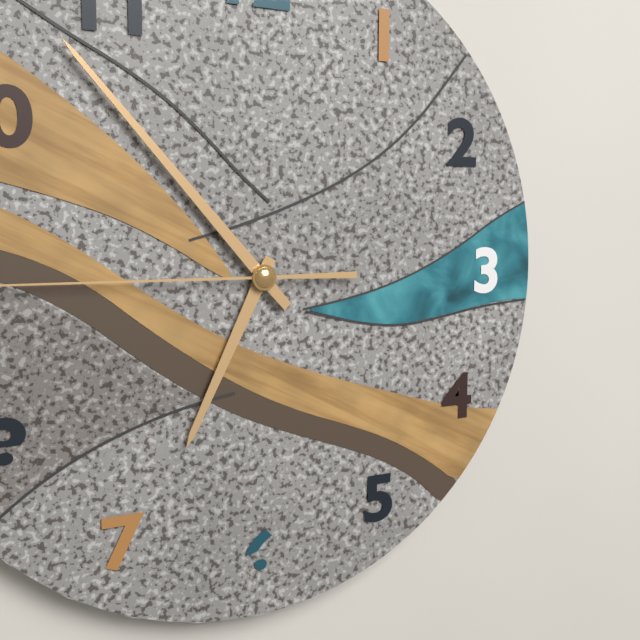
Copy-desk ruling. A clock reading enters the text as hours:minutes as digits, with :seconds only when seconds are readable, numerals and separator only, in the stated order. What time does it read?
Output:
6:53
